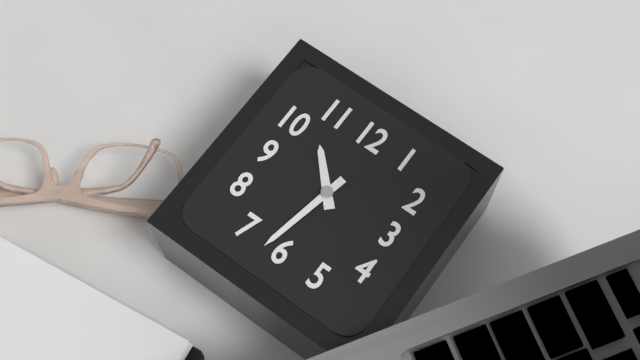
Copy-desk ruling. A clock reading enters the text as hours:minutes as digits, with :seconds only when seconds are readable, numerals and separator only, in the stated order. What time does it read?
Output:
10:32
